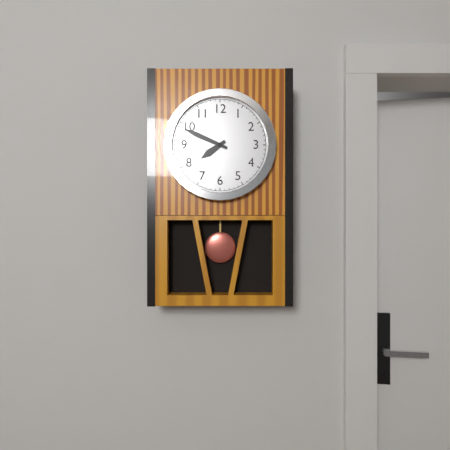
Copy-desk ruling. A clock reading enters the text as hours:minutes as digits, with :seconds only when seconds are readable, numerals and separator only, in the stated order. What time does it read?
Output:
7:49
